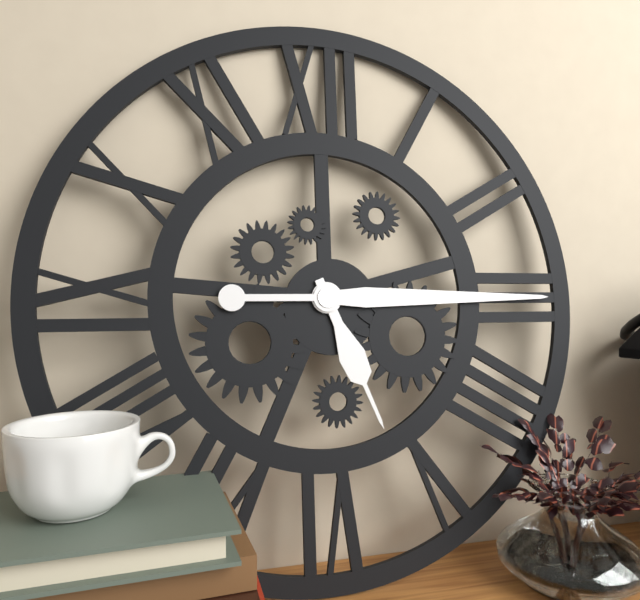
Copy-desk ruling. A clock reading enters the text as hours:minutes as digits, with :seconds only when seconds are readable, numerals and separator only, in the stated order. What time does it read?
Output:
5:15
